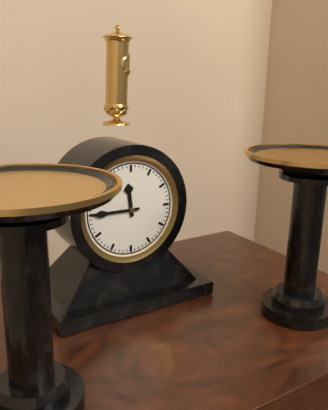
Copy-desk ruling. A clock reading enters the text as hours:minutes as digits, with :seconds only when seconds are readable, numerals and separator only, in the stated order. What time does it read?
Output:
11:45
